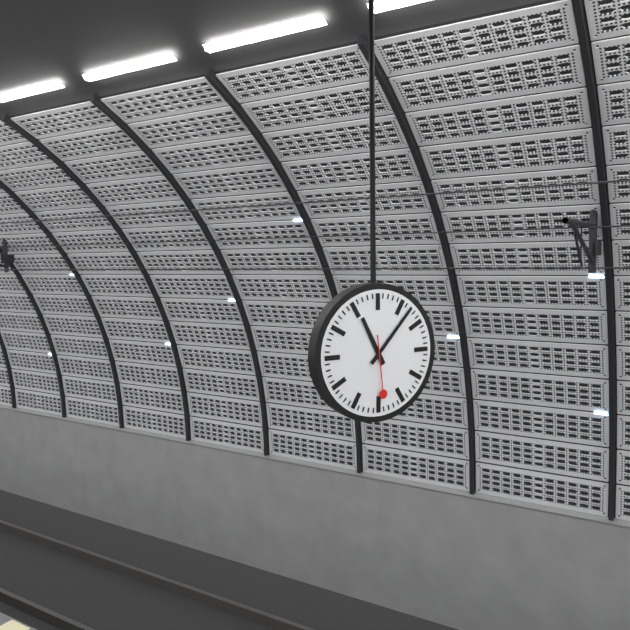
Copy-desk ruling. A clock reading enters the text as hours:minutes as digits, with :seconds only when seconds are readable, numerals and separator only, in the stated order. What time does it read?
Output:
11:07:29
